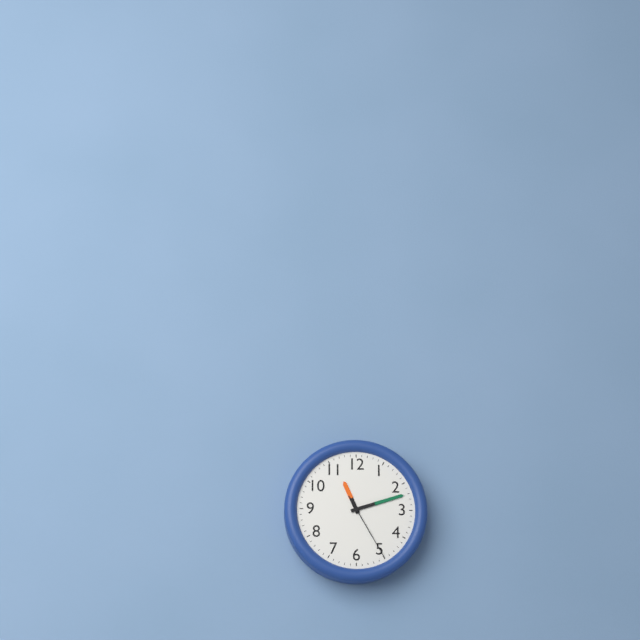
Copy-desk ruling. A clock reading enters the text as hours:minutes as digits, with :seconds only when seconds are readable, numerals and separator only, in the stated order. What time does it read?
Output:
11:12:25
